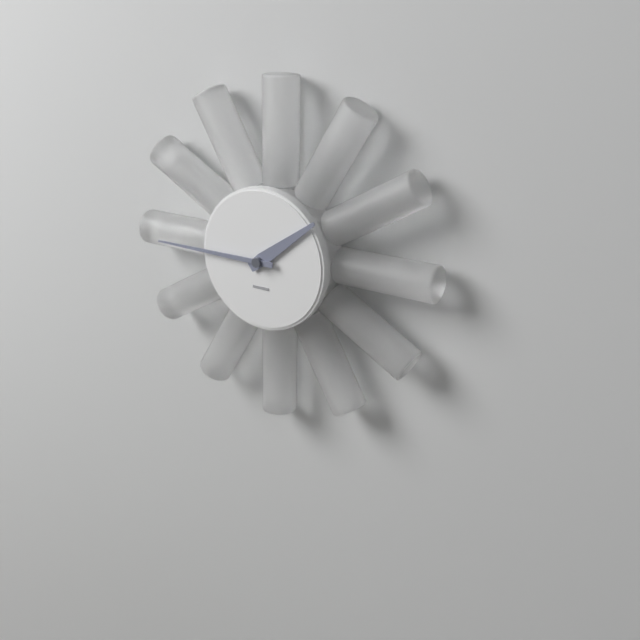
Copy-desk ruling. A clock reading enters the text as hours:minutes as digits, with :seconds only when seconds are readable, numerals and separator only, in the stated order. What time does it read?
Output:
1:45
